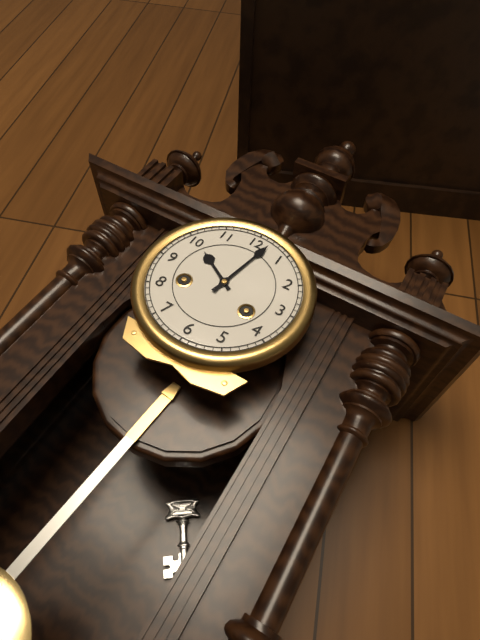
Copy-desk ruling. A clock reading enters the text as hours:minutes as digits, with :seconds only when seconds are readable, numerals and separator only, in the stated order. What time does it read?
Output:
10:02
